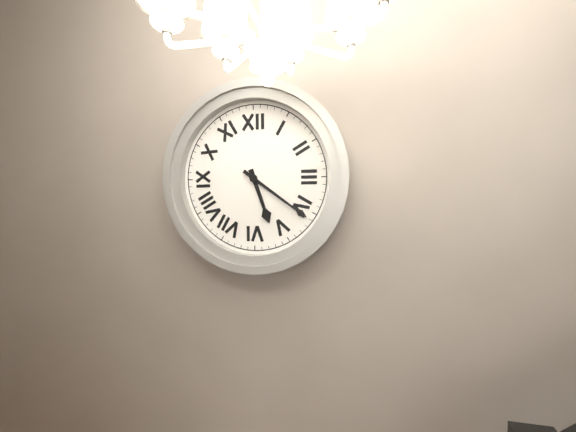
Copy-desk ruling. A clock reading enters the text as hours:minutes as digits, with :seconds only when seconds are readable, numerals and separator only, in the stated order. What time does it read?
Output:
5:21
